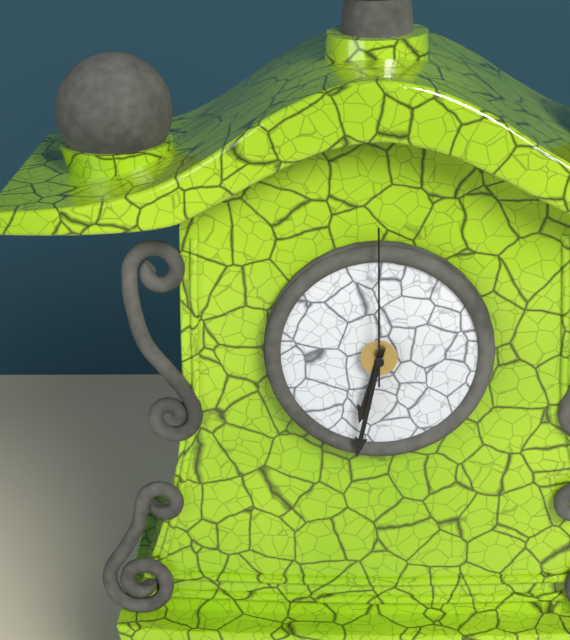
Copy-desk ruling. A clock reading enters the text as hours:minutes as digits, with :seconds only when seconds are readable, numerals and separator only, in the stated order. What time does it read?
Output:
6:32:00
